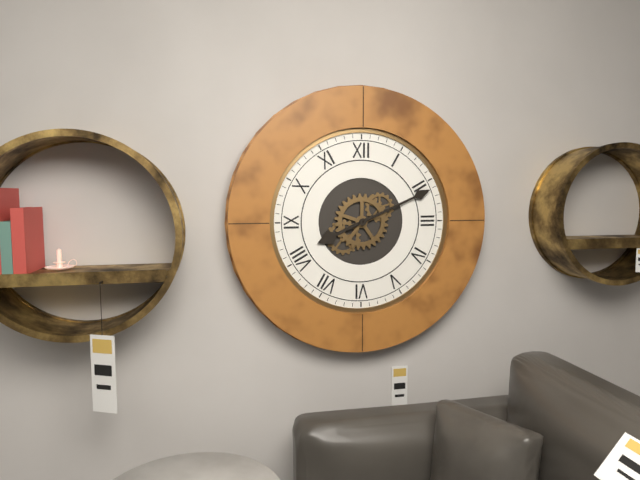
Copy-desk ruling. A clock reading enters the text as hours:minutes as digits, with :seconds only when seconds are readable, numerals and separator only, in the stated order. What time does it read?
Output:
8:11
